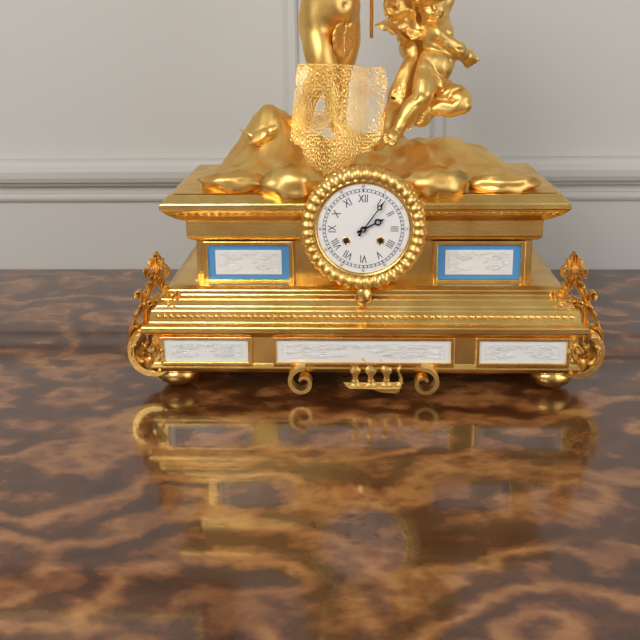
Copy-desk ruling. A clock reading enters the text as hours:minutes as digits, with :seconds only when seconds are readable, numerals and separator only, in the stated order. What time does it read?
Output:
2:06
